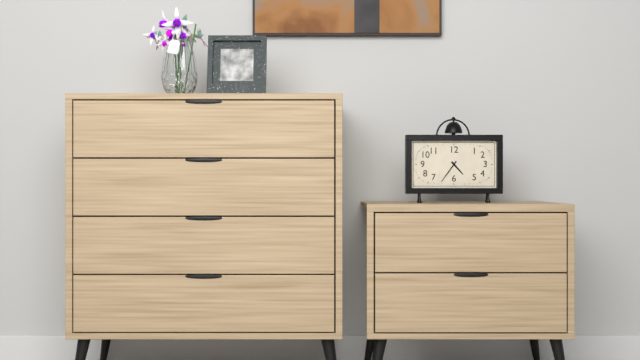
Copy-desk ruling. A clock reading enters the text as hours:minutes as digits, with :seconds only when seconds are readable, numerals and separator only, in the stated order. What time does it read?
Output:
4:36
